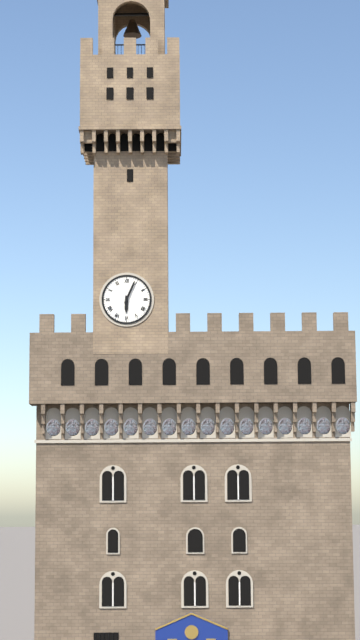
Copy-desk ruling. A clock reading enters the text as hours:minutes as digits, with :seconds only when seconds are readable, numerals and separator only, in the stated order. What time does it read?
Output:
6:04
